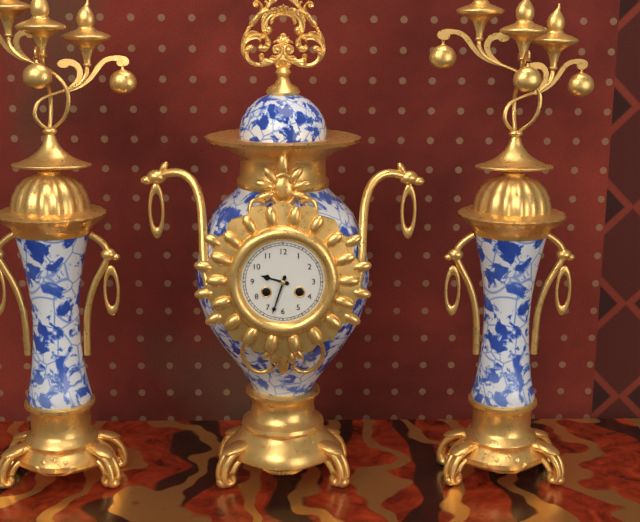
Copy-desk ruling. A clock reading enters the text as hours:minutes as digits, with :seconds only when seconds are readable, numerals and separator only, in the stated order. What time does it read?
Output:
9:33
